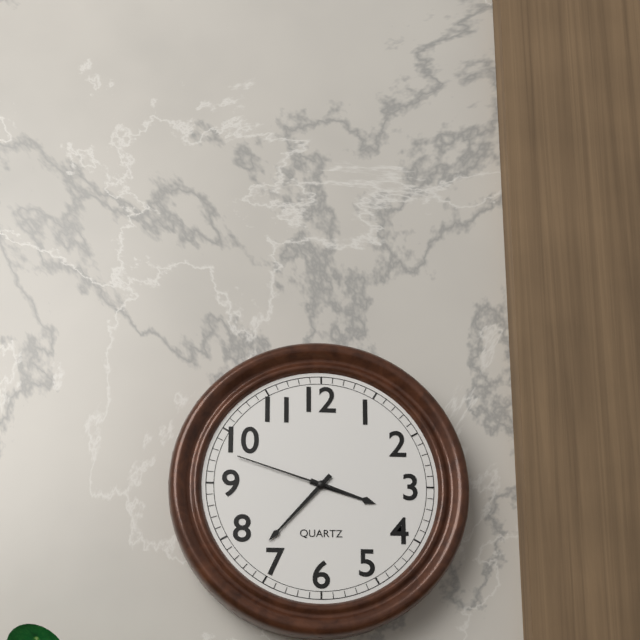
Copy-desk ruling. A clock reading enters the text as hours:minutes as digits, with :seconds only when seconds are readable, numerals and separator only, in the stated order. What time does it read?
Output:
3:37:48
